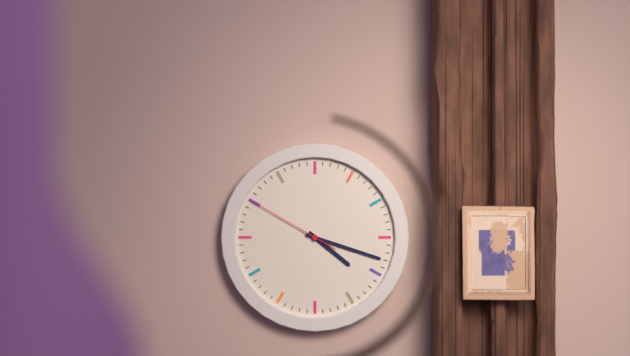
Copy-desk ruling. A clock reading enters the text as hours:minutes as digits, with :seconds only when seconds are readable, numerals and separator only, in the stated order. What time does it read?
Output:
4:18:50
